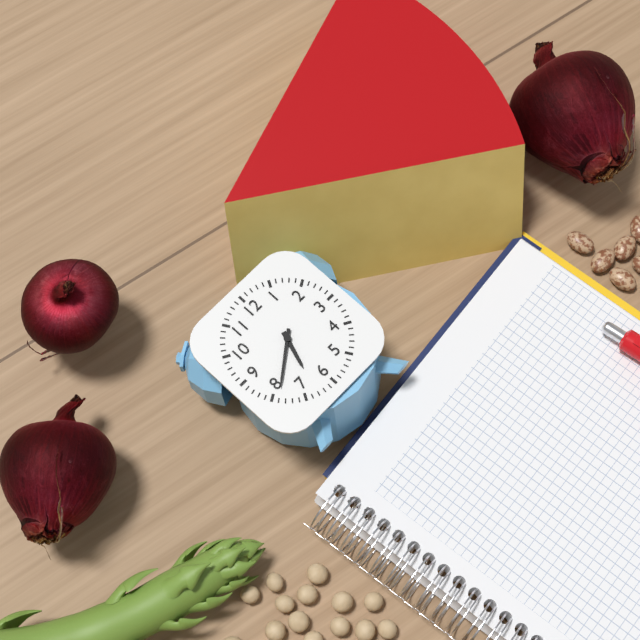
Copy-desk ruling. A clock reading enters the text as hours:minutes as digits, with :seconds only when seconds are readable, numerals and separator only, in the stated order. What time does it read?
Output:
6:39
